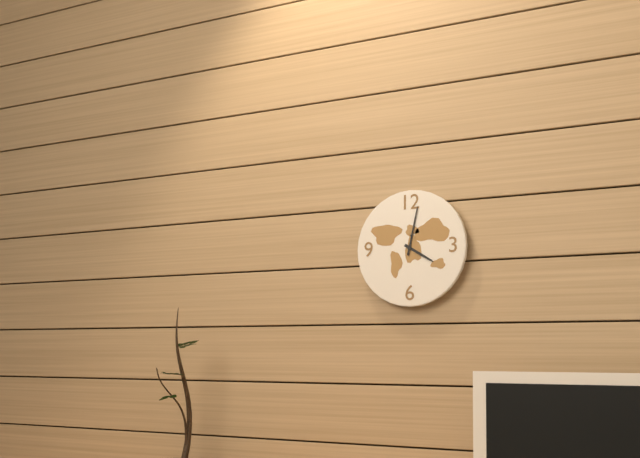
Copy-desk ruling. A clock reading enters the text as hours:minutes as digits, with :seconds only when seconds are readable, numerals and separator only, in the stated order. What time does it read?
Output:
4:02
